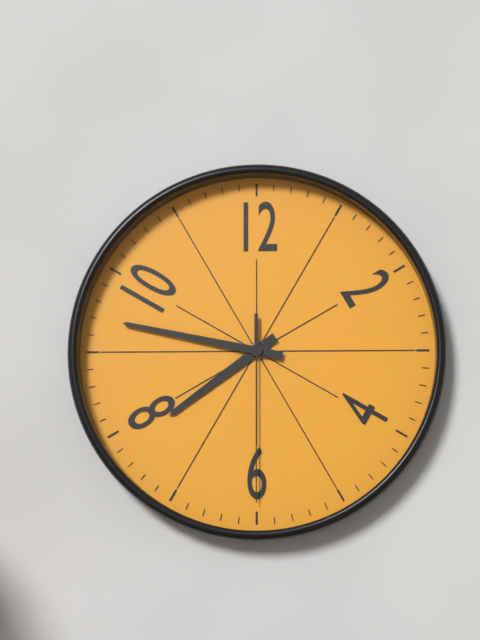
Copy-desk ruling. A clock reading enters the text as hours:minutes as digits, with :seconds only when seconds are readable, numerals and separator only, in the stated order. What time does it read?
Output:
7:47:30
